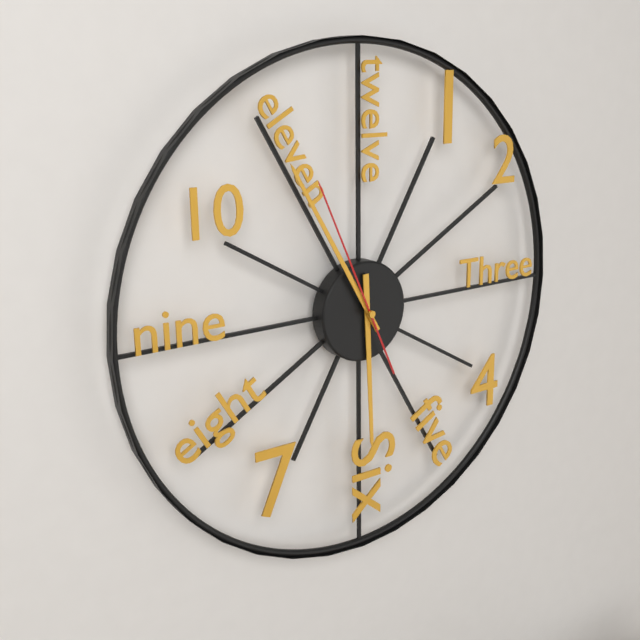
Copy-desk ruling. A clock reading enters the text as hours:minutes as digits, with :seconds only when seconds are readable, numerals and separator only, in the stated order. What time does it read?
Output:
5:55:56
